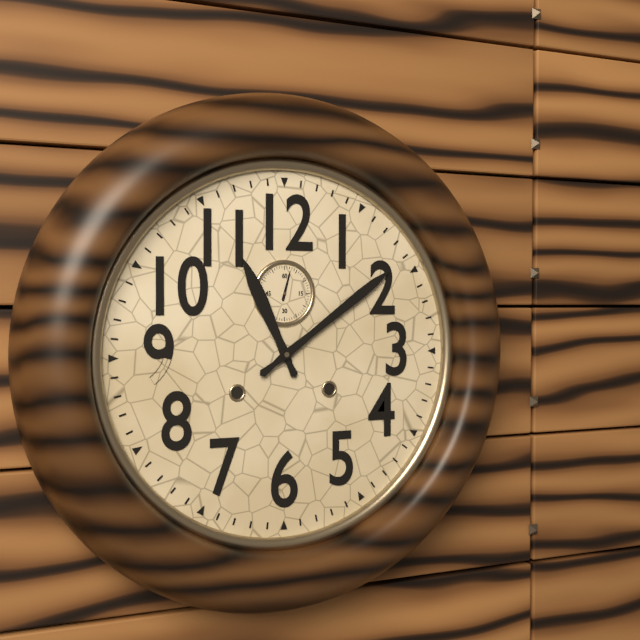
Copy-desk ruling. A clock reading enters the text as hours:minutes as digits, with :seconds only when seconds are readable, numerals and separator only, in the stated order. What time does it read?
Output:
11:09
